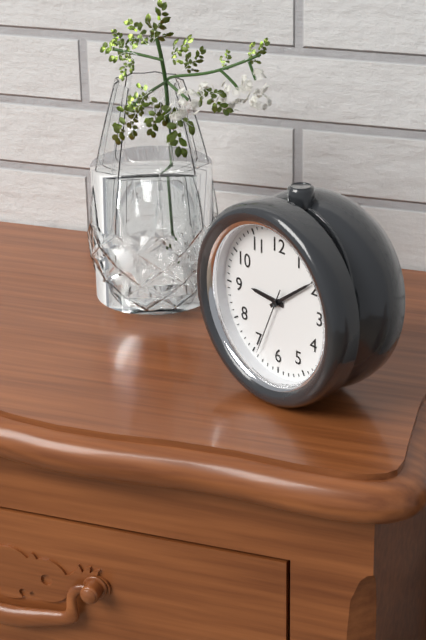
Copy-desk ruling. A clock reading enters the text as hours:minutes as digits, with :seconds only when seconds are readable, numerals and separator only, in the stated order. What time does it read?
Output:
9:09:34
